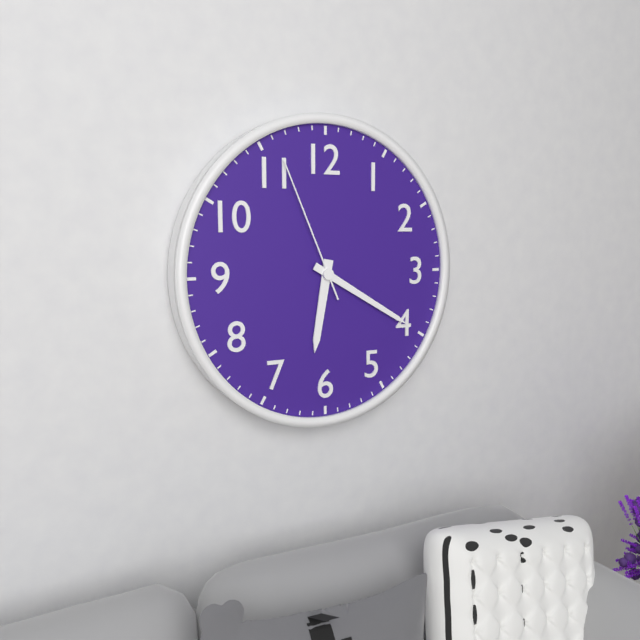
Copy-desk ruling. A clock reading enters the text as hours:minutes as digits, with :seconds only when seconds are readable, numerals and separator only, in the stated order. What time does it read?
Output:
6:20:56
